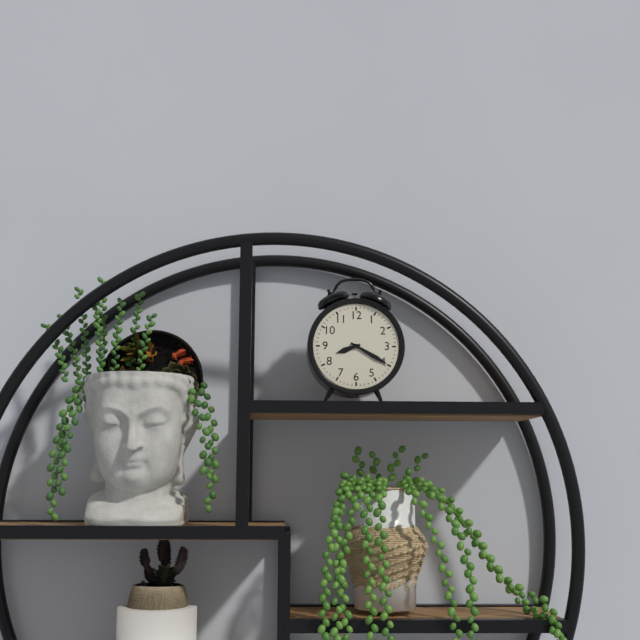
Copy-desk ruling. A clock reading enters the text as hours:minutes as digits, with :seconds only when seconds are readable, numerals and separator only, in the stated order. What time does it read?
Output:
8:20
